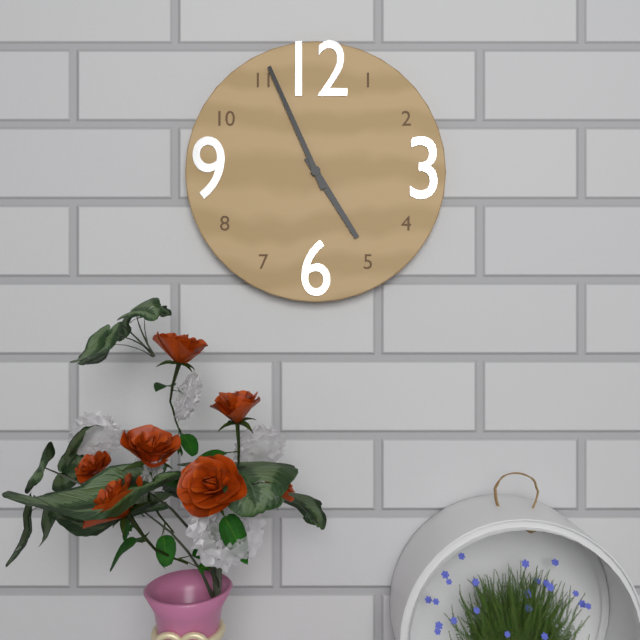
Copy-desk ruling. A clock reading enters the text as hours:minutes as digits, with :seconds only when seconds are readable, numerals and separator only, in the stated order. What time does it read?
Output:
4:56
